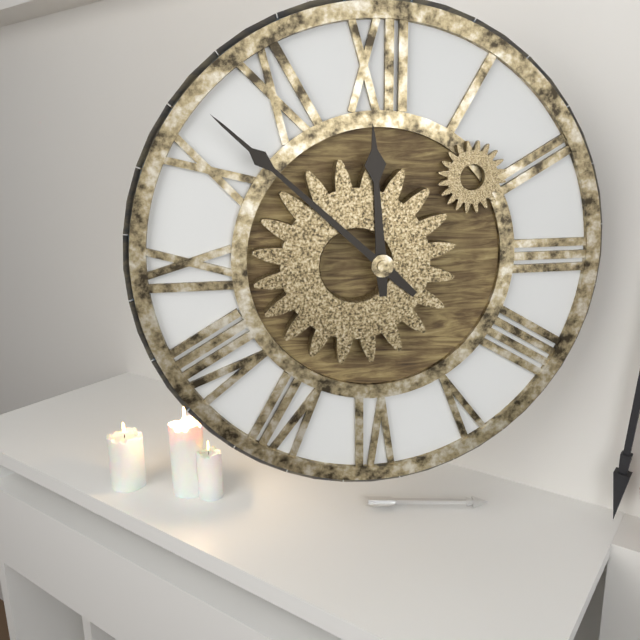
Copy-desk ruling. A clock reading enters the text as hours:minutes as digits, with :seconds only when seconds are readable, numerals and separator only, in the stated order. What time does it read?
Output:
11:52
